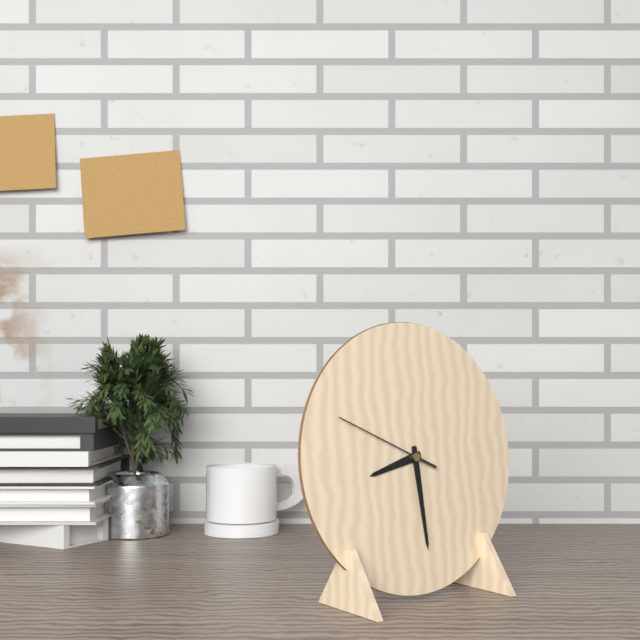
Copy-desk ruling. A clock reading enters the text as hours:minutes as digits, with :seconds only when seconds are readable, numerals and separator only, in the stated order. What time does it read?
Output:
8:29:49
